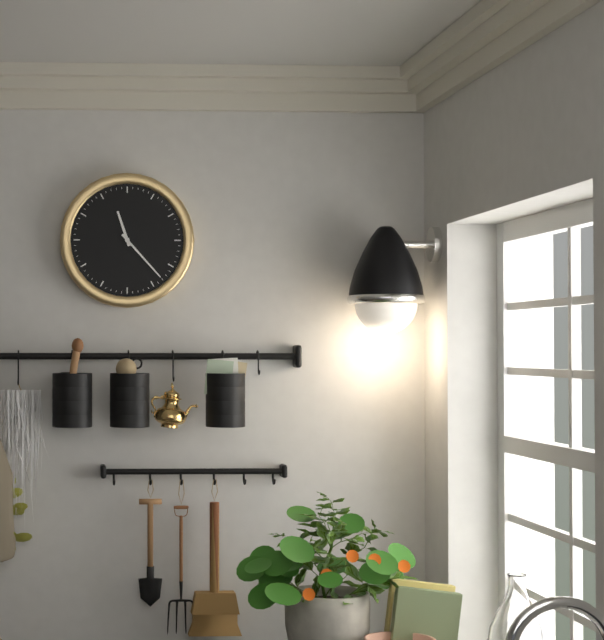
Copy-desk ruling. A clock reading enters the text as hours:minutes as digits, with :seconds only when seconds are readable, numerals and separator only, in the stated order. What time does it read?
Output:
11:23
